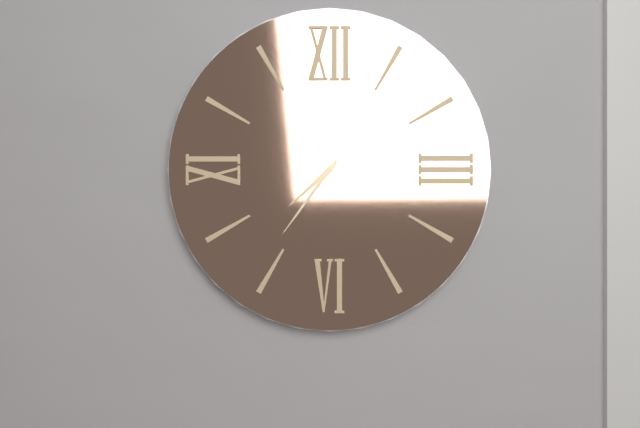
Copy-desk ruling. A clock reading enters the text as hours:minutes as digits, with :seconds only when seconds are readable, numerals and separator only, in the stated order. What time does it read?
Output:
7:36
